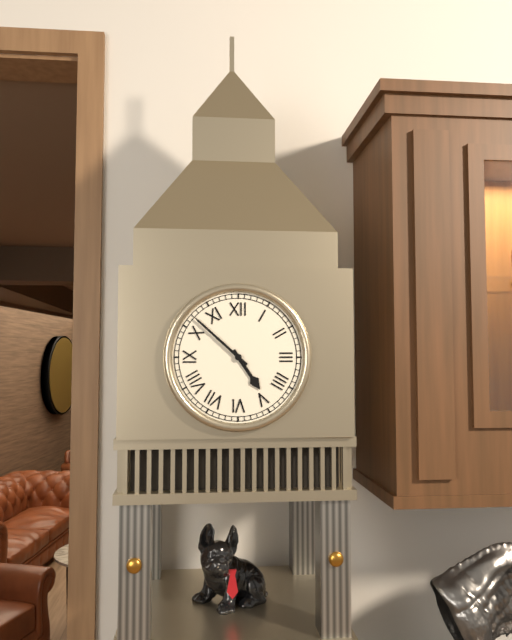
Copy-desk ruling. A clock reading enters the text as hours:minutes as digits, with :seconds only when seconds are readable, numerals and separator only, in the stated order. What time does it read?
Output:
4:52
